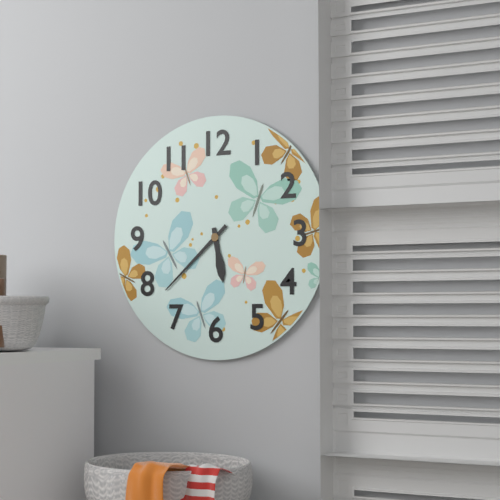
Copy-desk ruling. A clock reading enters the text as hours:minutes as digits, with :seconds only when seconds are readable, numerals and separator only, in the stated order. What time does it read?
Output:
5:38
